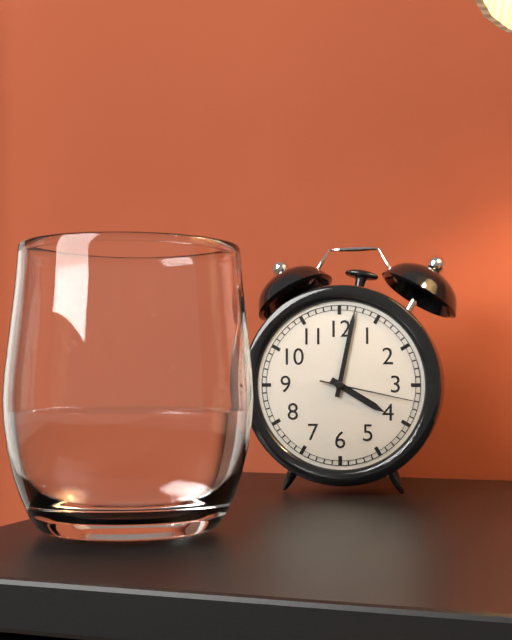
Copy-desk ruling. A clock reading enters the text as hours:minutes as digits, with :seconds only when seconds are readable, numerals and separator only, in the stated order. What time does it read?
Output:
4:02:17
